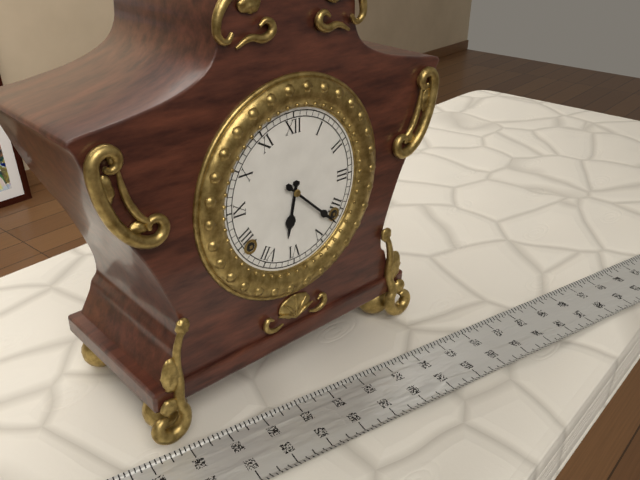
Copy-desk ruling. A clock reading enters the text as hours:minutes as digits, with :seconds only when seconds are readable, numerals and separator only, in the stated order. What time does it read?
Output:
6:22
